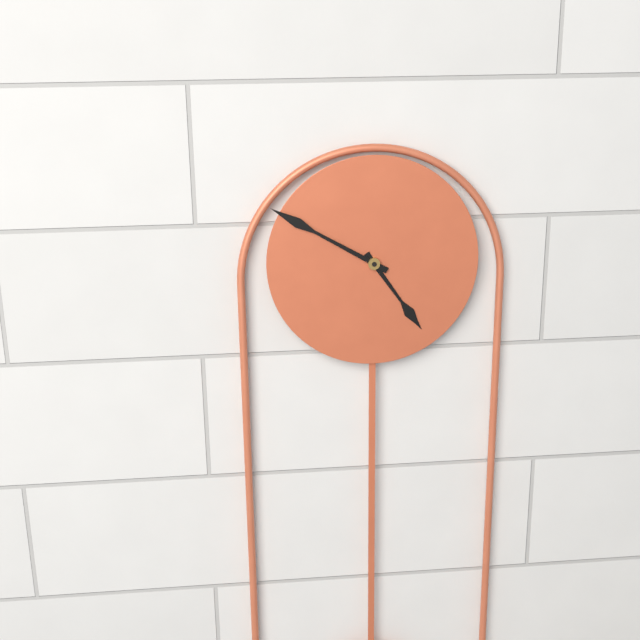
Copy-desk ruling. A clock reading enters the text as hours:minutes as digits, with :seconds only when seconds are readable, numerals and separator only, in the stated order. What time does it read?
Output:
4:50
